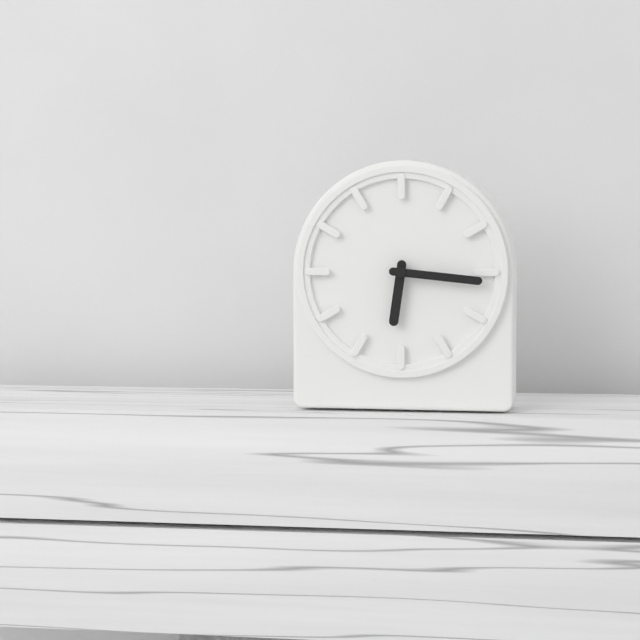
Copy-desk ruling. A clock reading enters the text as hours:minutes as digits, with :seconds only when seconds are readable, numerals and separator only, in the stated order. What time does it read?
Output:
6:16
